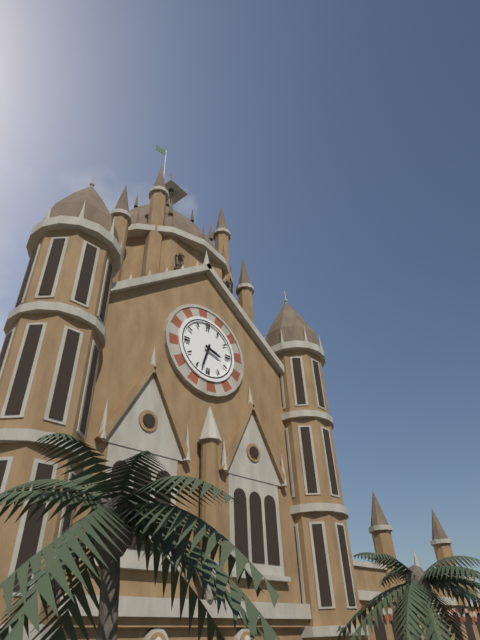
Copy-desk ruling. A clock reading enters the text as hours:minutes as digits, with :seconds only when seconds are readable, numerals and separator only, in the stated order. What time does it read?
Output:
3:33
